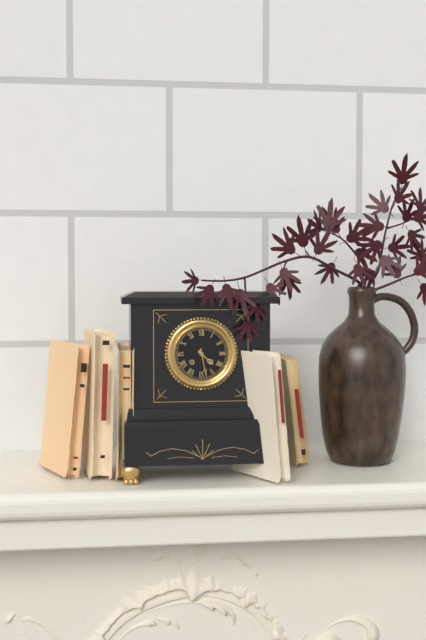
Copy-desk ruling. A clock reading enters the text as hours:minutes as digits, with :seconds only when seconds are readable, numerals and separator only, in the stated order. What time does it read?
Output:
4:28
